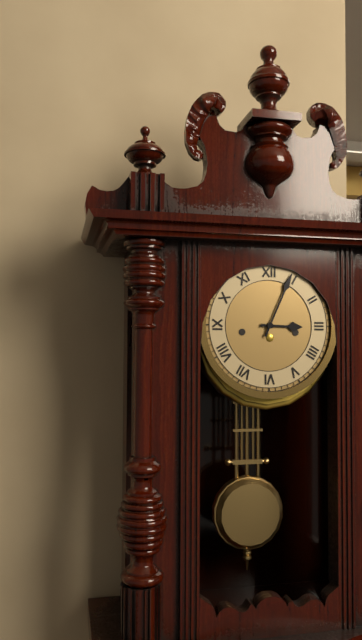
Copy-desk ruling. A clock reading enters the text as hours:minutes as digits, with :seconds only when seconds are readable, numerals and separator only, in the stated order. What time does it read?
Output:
3:04
